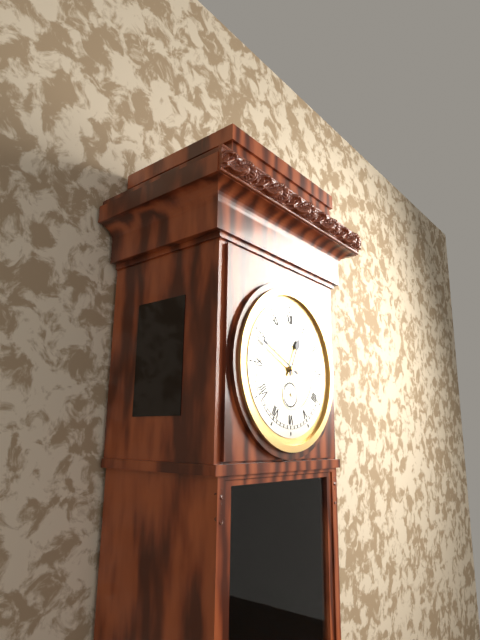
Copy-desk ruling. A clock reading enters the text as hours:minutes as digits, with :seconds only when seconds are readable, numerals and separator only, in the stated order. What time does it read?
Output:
12:49
